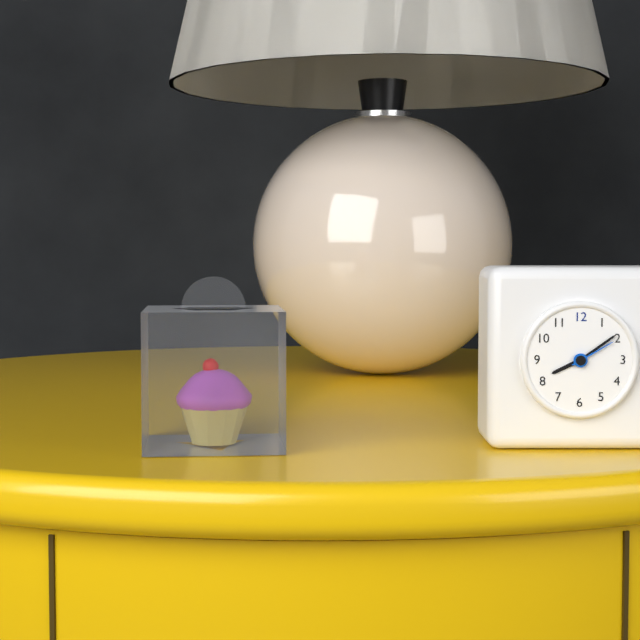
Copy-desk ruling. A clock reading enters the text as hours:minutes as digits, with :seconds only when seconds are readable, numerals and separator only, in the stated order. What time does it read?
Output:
8:09
